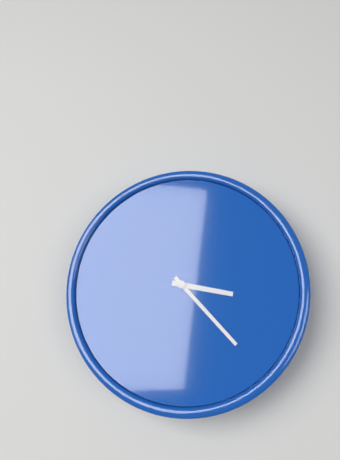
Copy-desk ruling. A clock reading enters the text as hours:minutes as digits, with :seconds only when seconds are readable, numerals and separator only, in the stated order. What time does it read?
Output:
3:23
